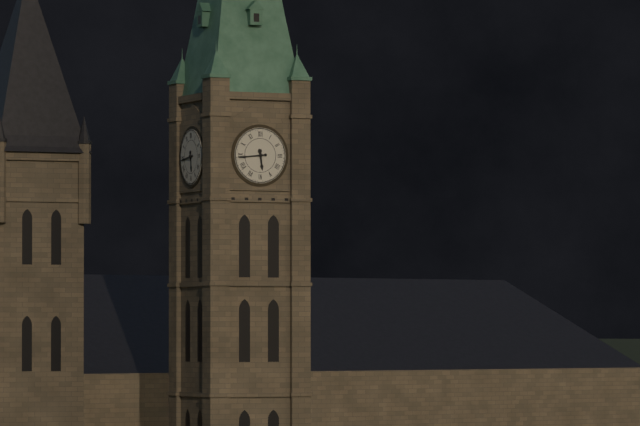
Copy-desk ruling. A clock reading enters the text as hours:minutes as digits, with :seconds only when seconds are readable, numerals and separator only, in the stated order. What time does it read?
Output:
5:44
